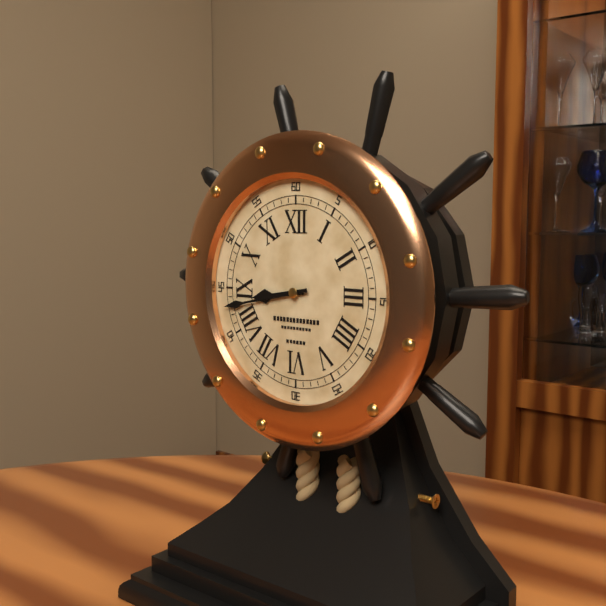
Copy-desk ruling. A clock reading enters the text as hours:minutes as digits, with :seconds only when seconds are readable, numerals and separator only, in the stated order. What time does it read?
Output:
8:43
